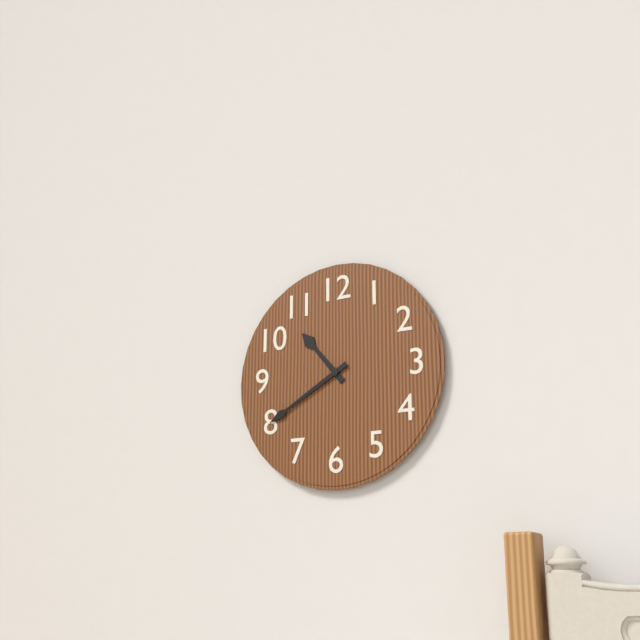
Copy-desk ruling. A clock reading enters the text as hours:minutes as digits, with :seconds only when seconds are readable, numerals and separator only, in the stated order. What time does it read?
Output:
10:40
